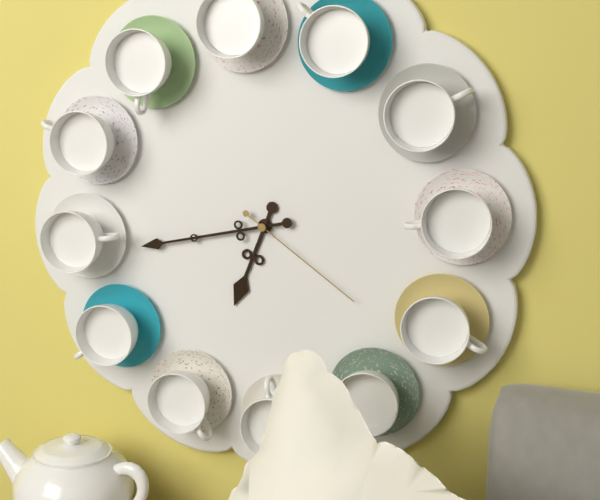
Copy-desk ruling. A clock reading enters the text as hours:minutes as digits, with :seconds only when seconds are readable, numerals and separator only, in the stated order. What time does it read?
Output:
6:43:21
